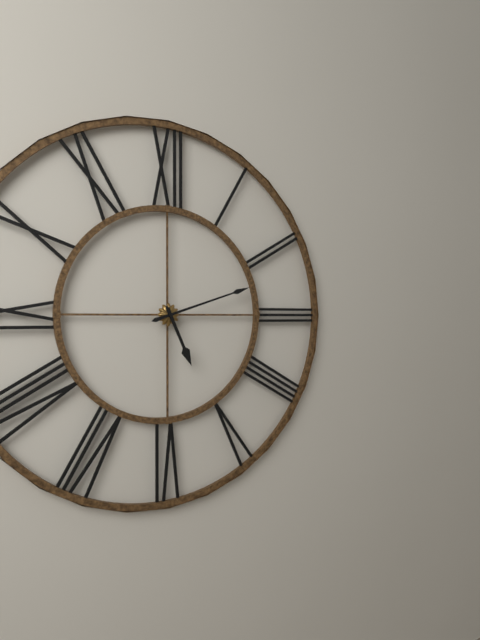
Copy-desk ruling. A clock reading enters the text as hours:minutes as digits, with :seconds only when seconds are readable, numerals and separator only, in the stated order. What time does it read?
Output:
5:12
